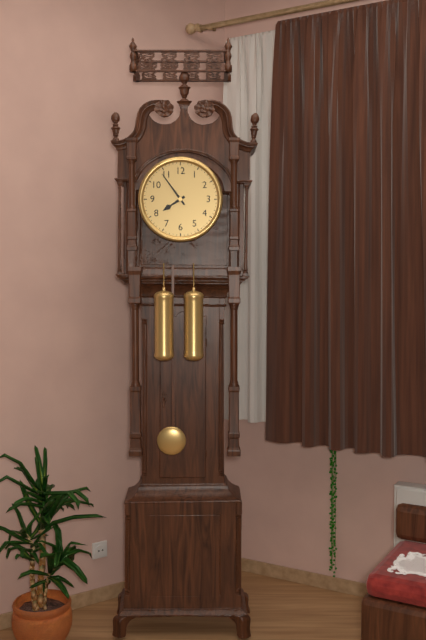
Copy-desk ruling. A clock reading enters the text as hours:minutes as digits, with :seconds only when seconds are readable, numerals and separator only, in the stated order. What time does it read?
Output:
7:54
